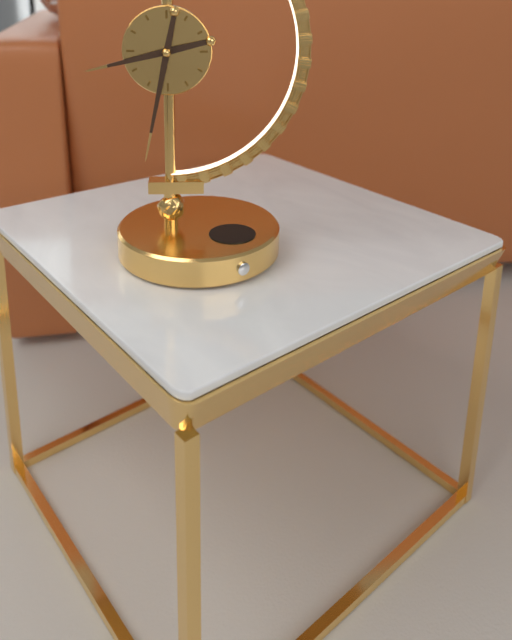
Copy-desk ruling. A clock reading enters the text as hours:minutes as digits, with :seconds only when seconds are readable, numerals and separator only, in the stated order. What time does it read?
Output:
8:32
